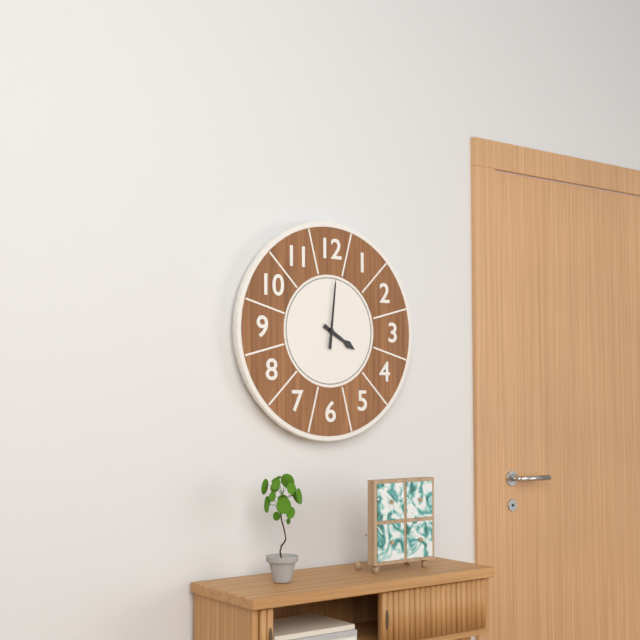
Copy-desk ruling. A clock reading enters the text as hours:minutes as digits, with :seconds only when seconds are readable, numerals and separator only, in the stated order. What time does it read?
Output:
4:01
